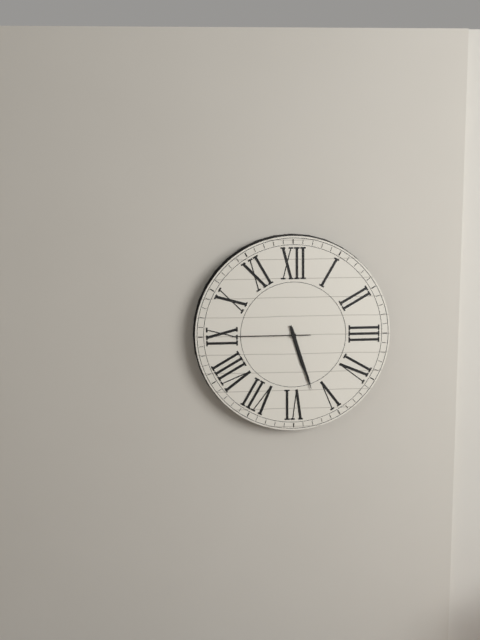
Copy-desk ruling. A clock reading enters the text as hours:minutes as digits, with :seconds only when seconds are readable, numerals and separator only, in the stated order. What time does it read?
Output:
5:27:45
